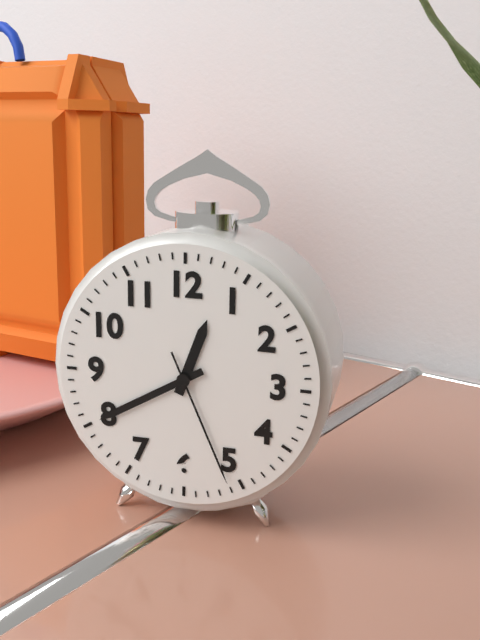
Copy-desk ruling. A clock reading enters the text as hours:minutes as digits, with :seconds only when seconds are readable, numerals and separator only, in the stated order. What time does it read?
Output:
12:40:26
